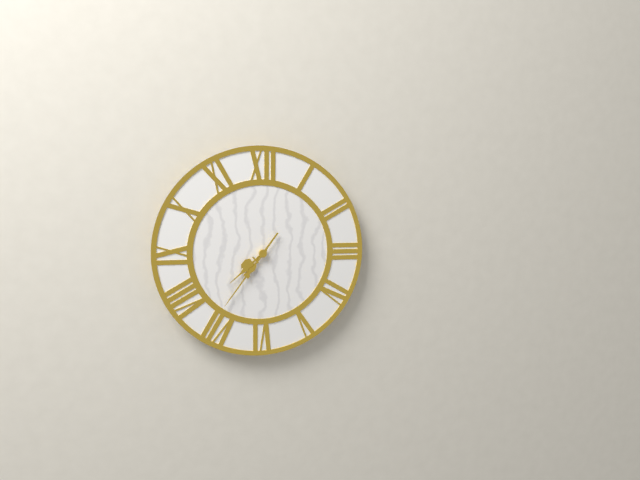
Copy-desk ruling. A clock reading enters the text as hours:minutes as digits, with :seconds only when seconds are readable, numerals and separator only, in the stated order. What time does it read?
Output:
7:36
